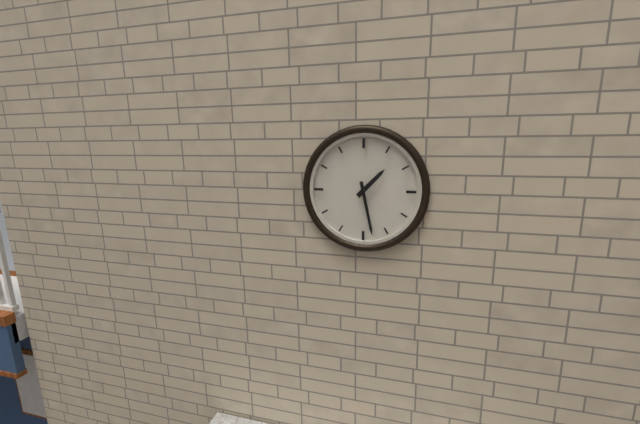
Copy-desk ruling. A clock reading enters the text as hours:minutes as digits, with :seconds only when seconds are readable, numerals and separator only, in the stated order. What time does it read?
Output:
1:28
